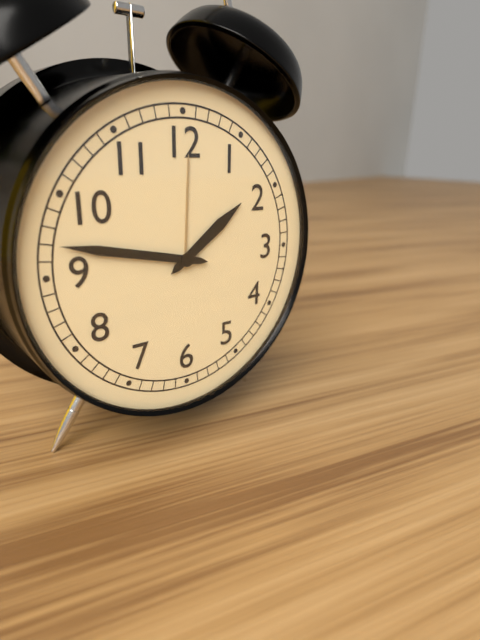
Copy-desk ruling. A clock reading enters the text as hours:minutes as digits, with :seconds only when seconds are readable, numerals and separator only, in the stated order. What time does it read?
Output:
1:47
